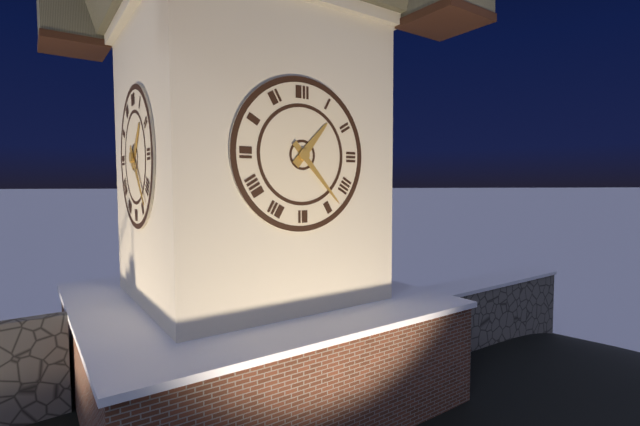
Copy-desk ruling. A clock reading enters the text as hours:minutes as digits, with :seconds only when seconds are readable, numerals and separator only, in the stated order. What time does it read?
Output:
1:23
